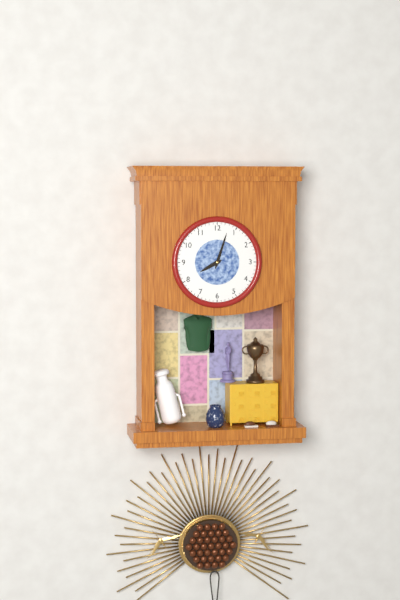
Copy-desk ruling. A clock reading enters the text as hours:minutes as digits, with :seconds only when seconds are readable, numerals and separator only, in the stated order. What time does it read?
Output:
8:03
